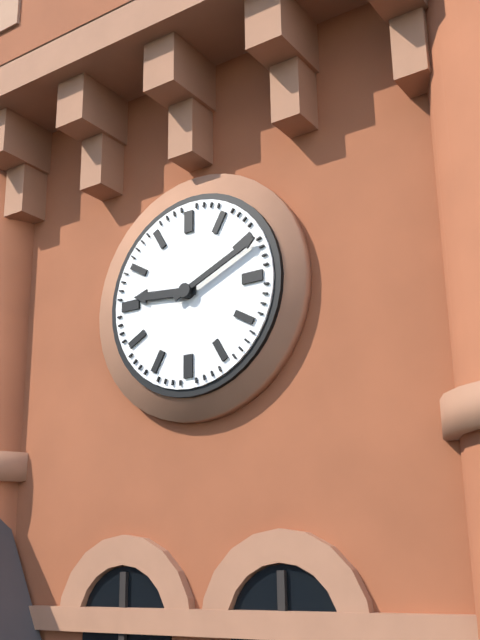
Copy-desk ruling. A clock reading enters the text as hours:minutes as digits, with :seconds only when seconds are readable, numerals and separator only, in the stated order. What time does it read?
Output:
9:11
